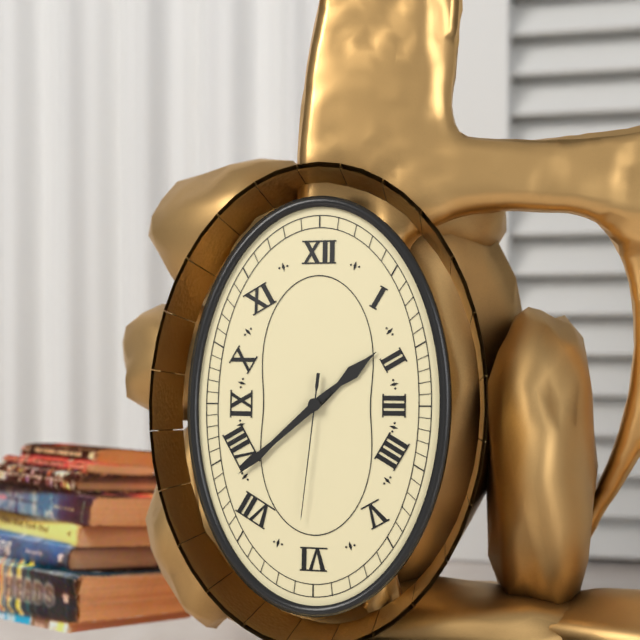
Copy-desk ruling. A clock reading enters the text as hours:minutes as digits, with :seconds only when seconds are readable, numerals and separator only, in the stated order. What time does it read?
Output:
1:38:31
